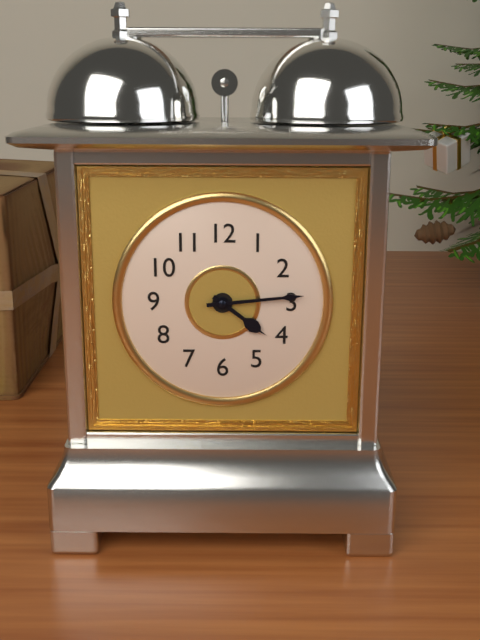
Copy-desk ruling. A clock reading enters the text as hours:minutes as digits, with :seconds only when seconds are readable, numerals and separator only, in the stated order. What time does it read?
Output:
4:14
